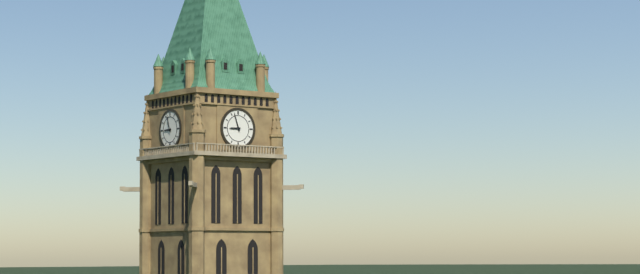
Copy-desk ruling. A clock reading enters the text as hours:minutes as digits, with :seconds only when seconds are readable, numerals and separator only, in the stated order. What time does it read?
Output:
8:57
